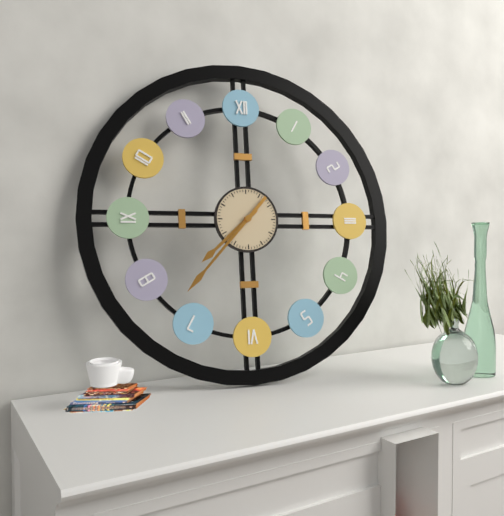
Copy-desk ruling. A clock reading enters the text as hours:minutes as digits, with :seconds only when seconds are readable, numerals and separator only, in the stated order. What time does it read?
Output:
7:37
